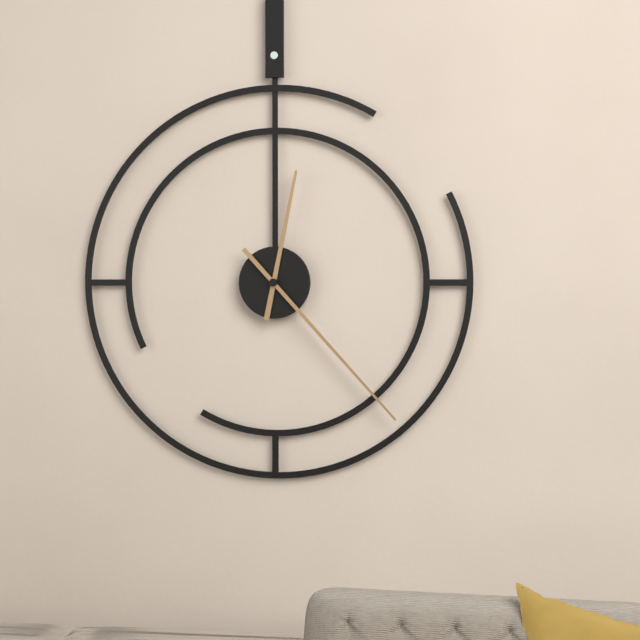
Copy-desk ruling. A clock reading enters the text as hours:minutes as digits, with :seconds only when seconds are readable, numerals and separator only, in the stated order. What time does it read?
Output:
12:23
